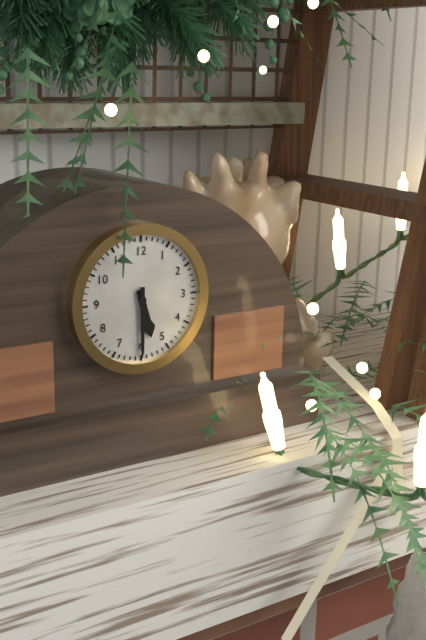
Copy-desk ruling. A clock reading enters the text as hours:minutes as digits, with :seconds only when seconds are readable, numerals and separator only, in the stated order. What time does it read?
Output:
5:30
